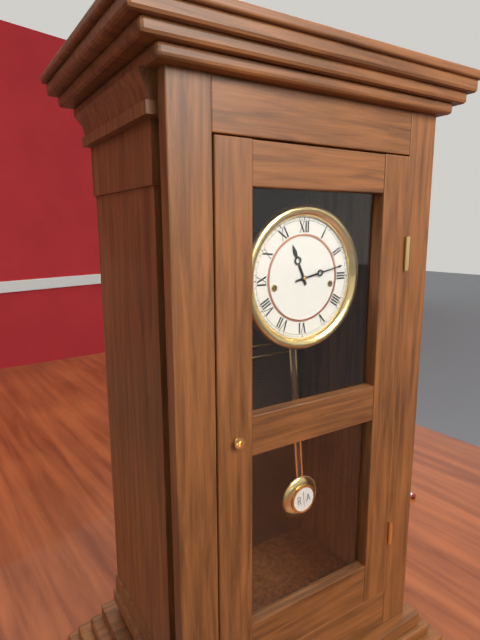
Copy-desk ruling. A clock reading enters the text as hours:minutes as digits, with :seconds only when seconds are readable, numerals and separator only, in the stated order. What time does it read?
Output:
11:13
